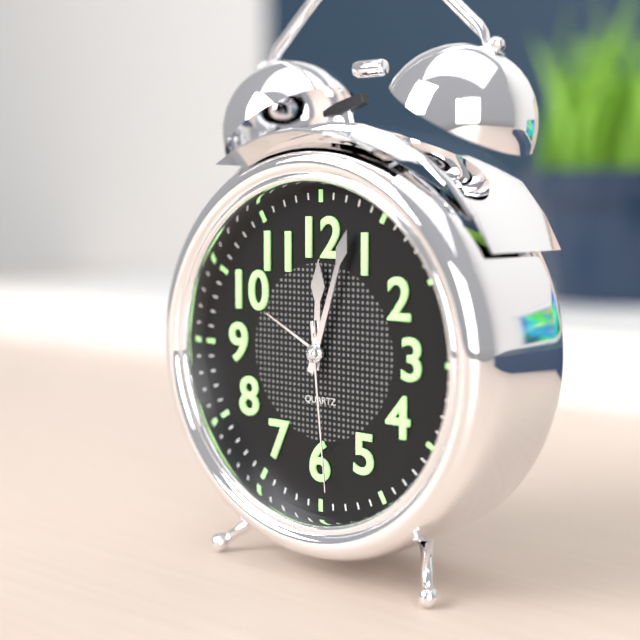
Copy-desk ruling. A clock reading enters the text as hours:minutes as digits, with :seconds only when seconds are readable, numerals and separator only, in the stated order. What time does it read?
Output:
12:03:29
